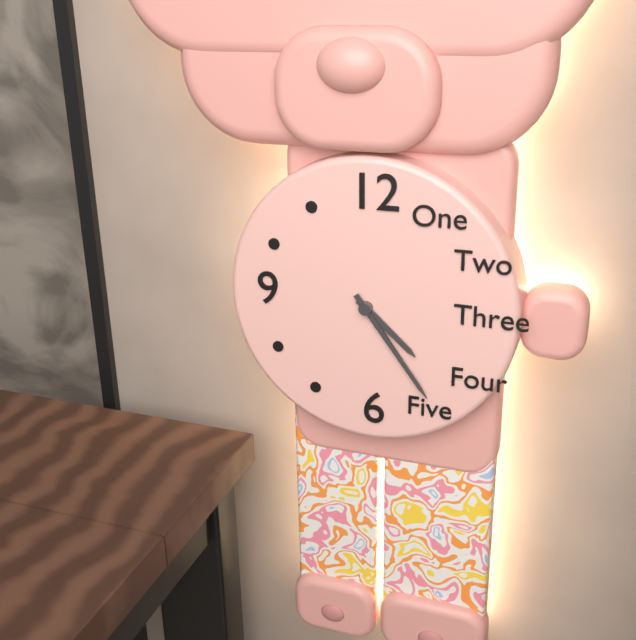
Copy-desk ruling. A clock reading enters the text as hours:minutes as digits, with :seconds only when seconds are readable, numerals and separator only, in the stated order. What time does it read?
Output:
4:24
